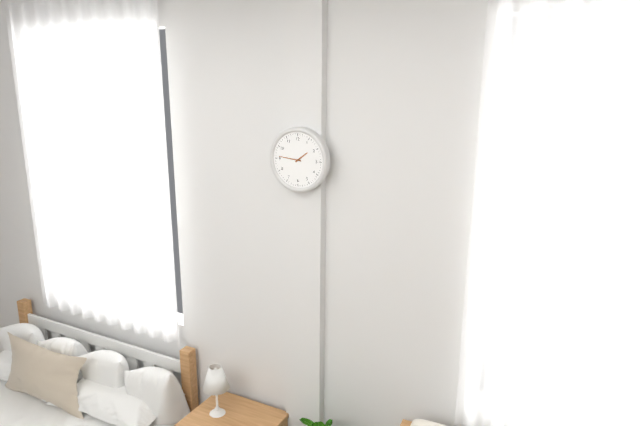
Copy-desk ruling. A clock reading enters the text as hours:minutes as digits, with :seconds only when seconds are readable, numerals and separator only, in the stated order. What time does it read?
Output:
1:46
